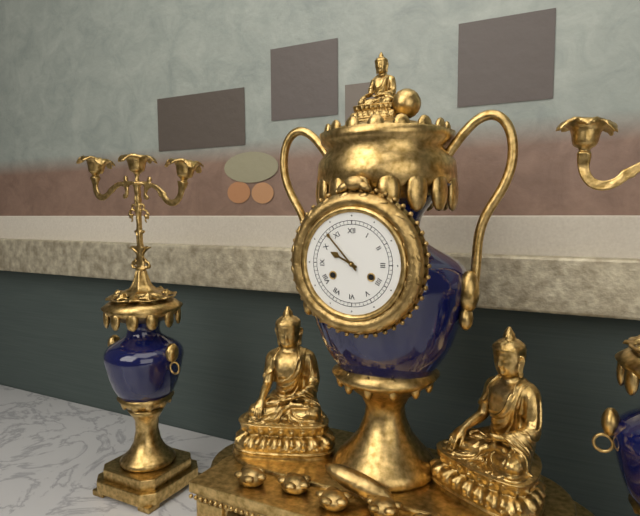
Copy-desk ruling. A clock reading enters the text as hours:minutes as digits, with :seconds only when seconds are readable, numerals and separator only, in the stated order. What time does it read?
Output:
9:53
